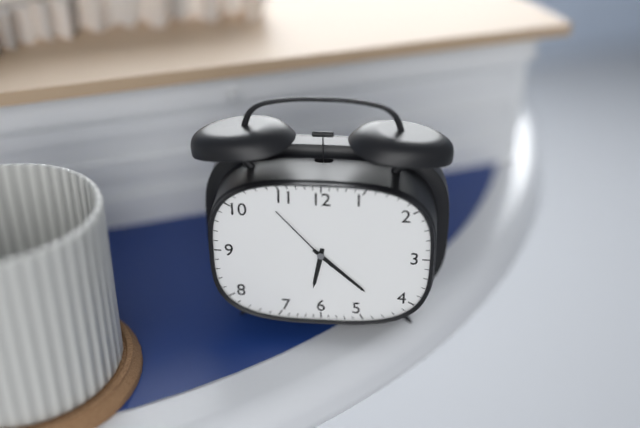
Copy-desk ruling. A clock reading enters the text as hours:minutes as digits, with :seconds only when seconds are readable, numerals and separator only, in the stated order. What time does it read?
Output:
6:22:53
